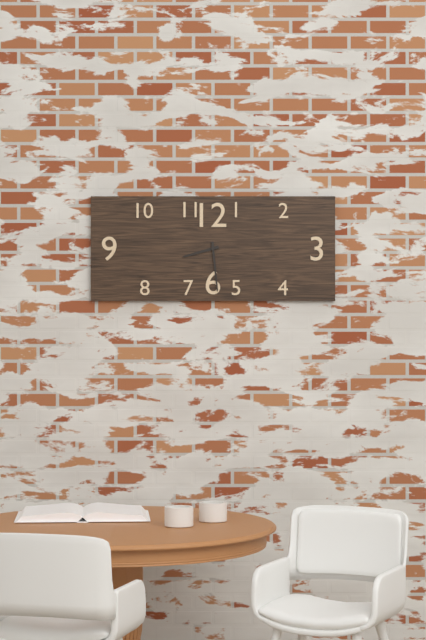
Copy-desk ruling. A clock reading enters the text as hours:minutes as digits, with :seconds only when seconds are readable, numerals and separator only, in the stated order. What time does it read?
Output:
8:29
